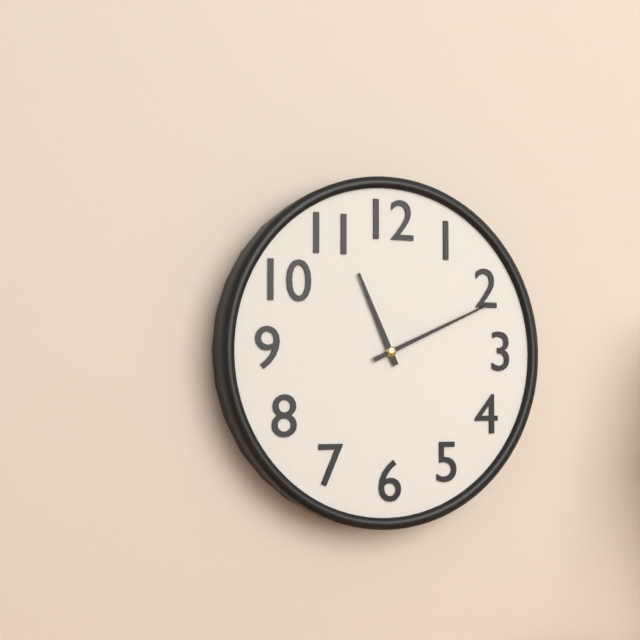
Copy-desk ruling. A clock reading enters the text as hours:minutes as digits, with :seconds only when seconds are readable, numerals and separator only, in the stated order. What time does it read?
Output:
11:11
